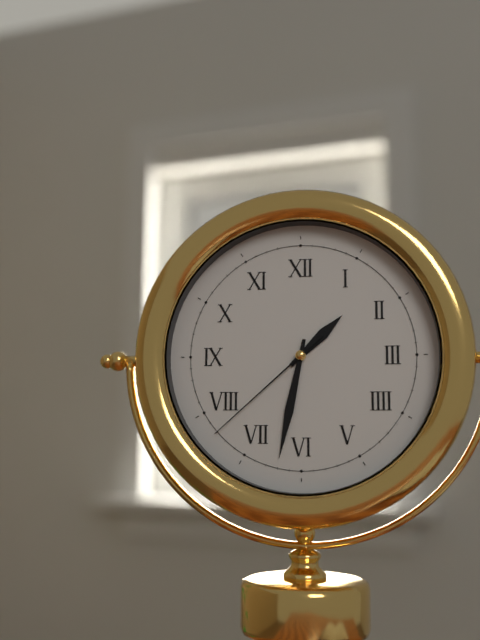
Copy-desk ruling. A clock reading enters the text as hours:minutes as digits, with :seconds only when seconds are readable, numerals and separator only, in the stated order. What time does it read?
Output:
1:32:38
